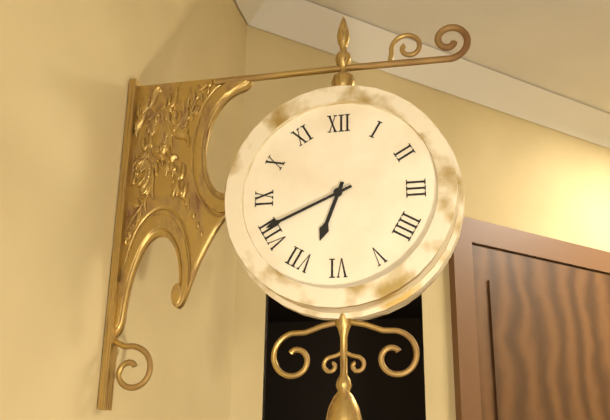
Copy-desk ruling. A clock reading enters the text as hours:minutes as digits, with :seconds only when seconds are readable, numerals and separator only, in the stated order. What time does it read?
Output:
6:41
